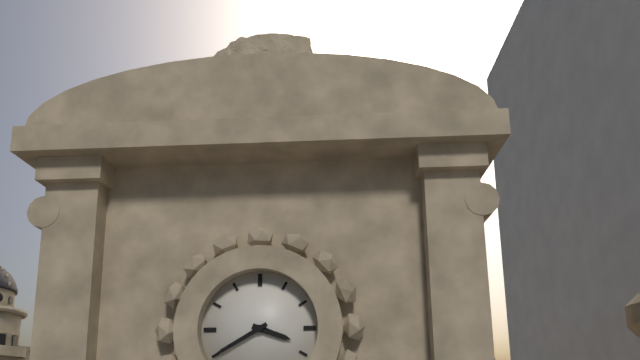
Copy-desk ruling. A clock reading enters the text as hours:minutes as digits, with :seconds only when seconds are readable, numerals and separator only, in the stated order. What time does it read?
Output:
3:40
